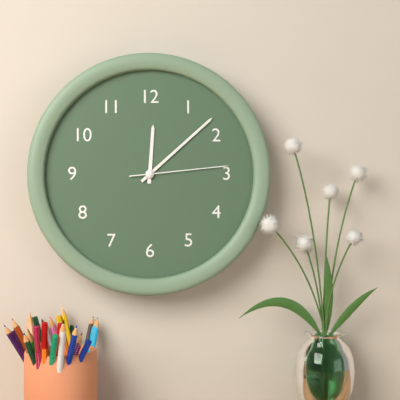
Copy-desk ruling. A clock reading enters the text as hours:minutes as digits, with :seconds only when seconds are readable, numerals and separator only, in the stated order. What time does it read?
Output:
12:08:14
